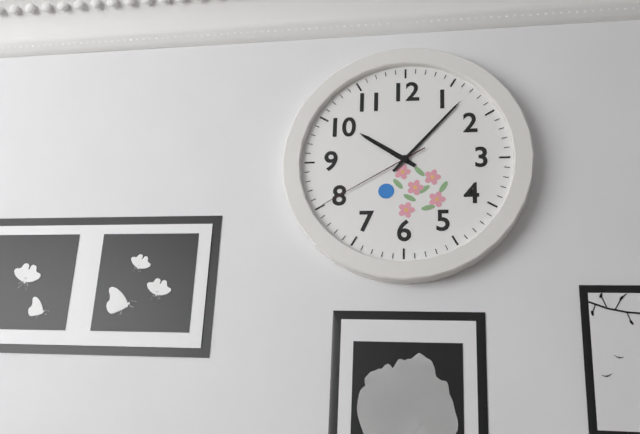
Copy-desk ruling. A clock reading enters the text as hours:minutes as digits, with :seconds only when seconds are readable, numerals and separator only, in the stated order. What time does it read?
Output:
10:07:40
